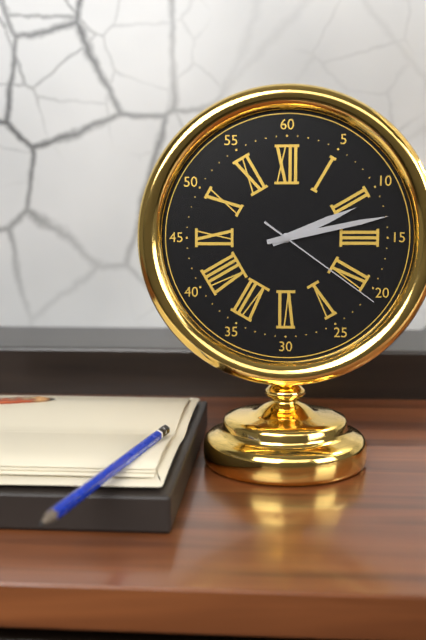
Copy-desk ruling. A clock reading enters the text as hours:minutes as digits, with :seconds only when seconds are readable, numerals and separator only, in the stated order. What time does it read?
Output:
2:13:21
